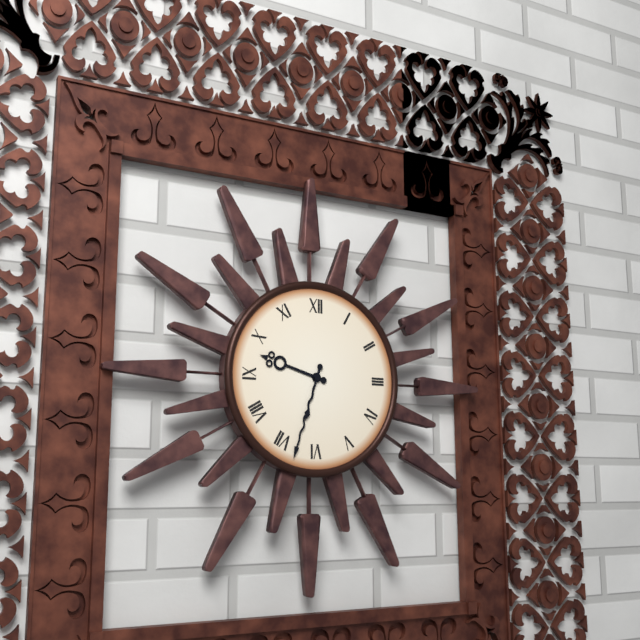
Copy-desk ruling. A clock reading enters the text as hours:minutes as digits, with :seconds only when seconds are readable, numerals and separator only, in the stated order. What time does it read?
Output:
9:33
